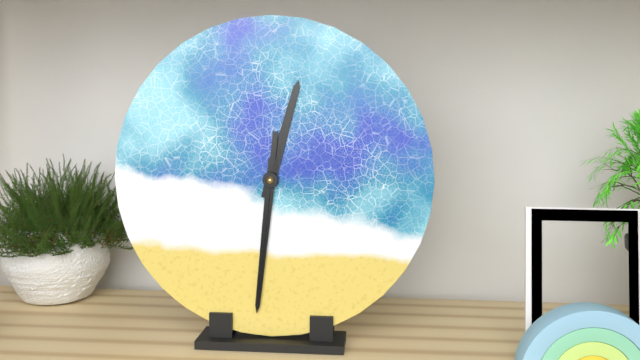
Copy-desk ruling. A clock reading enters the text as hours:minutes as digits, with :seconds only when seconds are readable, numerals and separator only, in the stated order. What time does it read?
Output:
12:31:31
